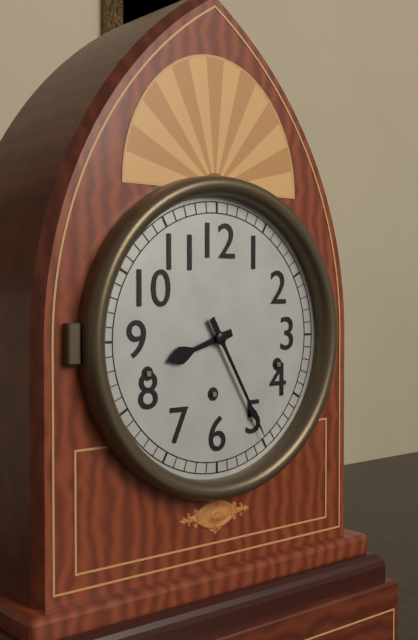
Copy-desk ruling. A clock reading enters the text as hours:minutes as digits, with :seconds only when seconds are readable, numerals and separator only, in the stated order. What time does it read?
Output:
8:25
